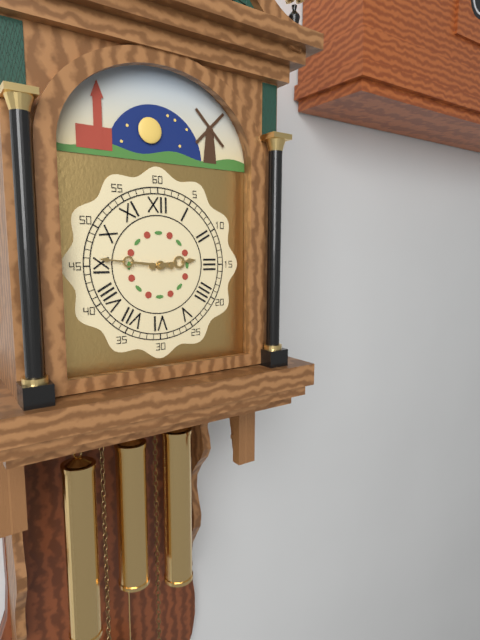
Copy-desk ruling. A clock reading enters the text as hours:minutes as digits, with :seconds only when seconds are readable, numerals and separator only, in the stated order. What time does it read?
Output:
2:46
